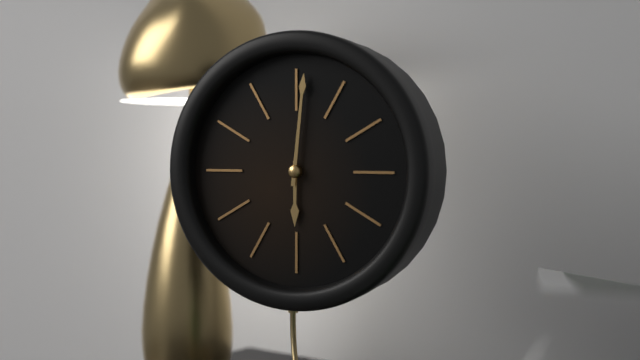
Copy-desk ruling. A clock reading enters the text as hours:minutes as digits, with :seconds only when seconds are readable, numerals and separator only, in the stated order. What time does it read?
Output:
6:01
